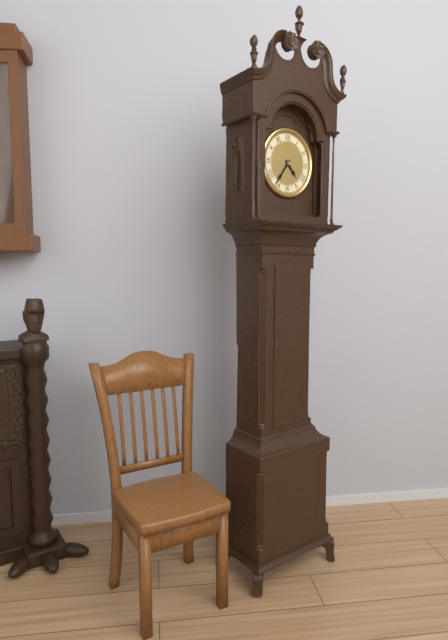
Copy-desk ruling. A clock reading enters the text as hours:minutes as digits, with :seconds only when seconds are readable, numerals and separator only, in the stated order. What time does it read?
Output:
4:36
